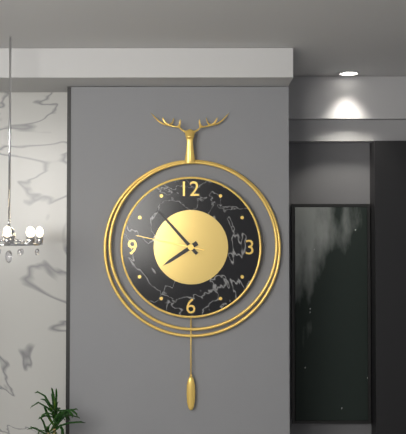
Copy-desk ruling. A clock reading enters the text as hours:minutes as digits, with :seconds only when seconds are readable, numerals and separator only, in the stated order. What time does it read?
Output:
7:53:47
